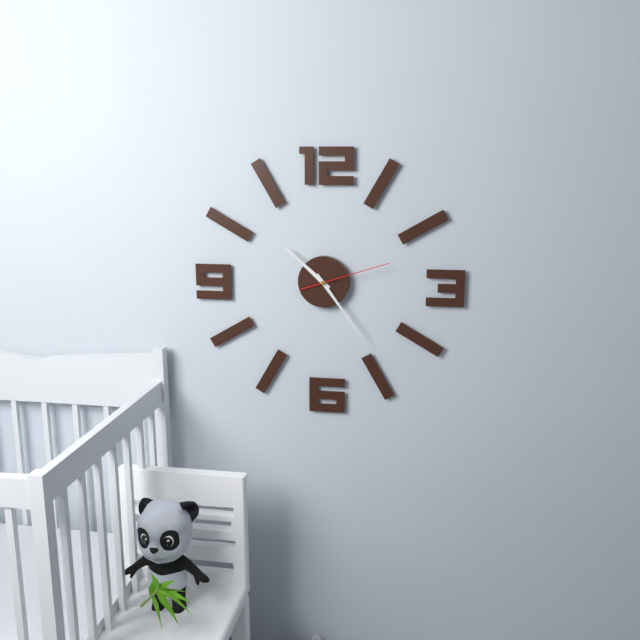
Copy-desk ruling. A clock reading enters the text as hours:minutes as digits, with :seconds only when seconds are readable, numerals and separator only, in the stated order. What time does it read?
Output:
10:24:12
